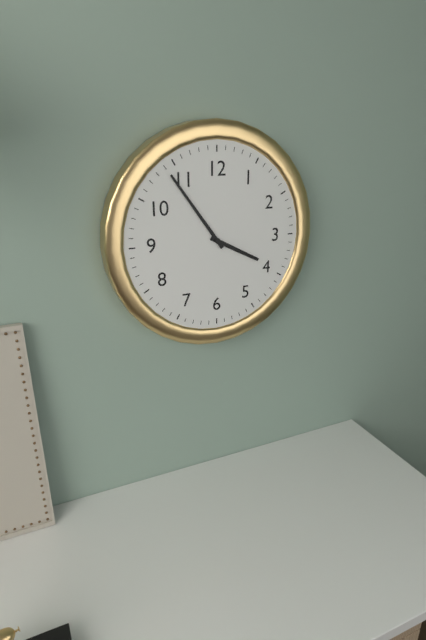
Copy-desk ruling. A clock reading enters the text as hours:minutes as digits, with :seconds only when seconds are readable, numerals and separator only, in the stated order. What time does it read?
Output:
3:54
